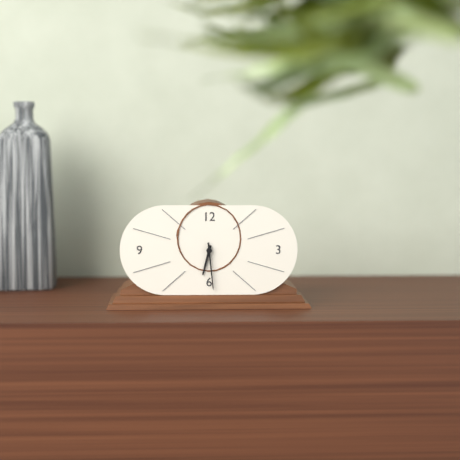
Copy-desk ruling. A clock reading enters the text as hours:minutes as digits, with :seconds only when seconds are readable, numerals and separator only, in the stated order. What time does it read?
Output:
6:29
